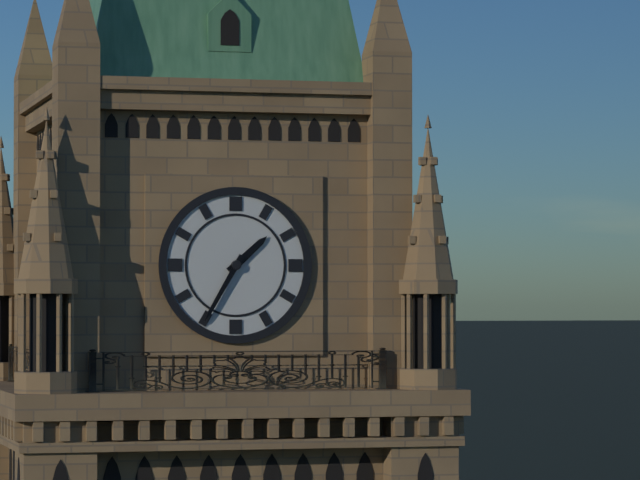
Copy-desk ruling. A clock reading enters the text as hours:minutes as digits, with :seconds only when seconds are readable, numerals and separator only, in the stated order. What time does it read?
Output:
1:35
